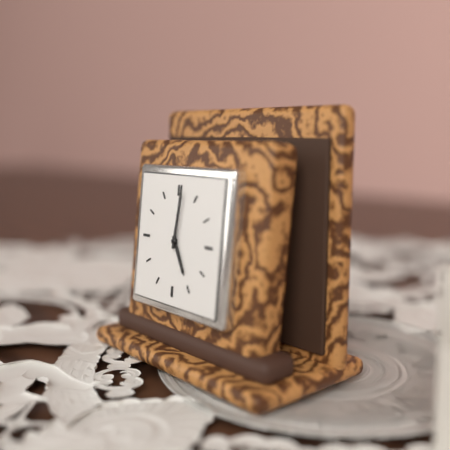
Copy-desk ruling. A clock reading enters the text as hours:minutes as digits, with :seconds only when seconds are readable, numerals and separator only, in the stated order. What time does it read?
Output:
5:01
